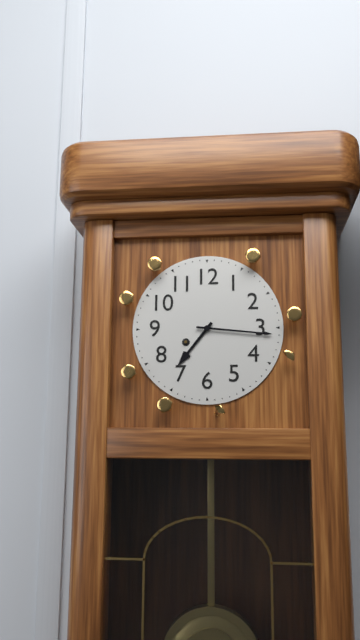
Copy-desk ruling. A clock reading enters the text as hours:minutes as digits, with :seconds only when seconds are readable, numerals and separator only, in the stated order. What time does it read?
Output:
7:16
